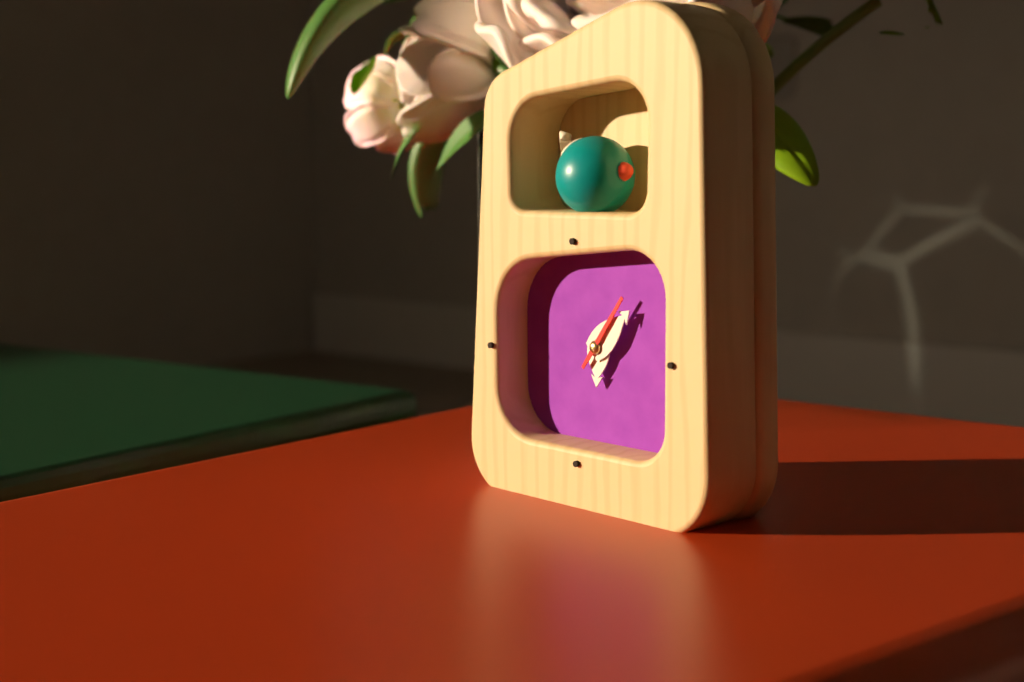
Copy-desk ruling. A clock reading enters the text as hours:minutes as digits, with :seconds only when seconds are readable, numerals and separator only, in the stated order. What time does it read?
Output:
6:08:06
